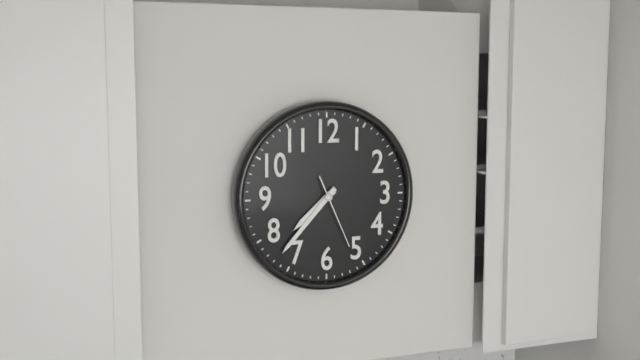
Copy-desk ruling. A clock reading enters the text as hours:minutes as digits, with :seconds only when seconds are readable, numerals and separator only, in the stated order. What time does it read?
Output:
7:37:26
